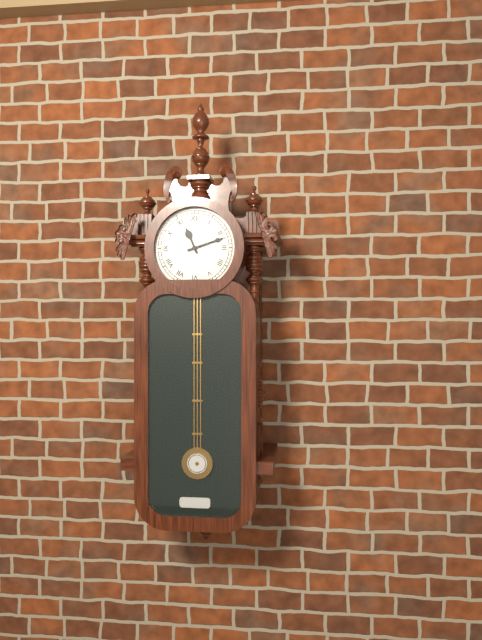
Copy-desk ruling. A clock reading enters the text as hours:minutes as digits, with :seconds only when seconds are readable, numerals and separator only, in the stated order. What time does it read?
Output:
11:12
